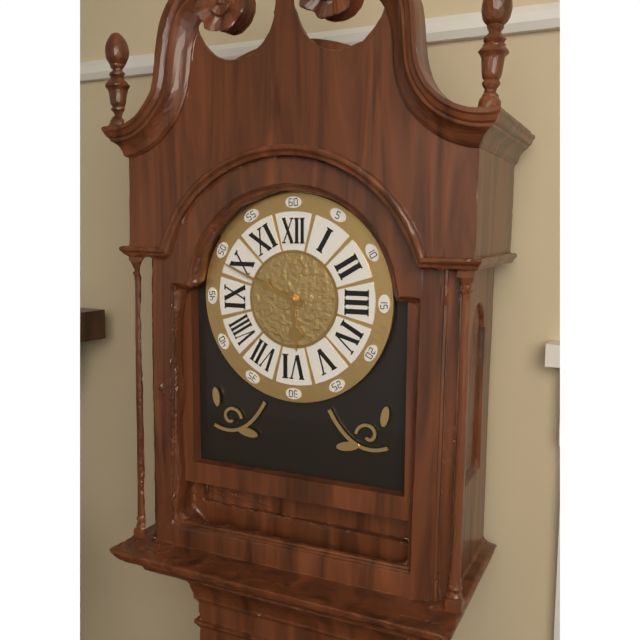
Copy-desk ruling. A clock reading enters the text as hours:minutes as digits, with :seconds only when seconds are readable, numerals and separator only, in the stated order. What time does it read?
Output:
5:49
